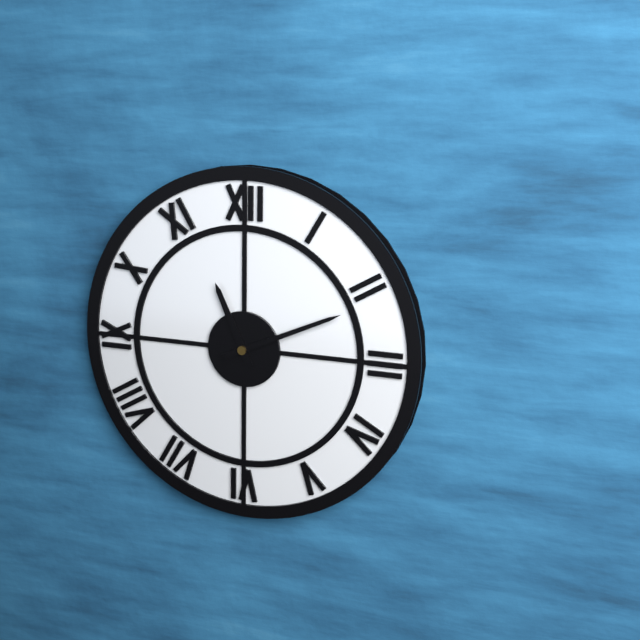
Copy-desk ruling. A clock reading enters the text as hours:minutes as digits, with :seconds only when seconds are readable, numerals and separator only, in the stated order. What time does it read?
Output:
11:11
